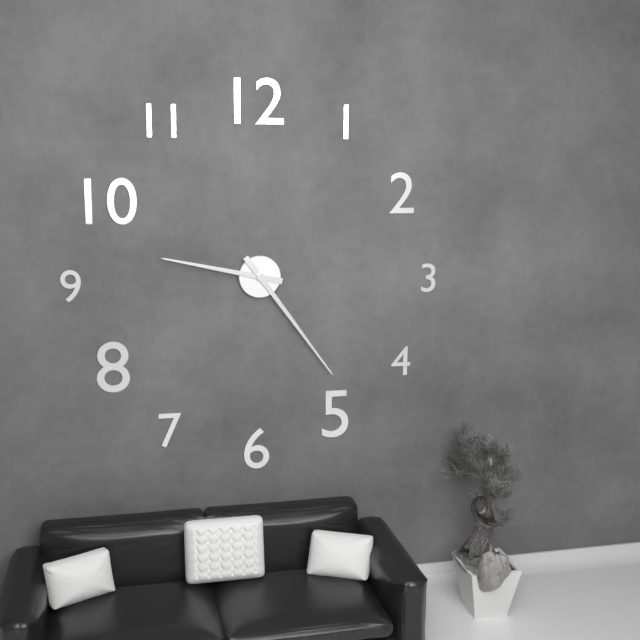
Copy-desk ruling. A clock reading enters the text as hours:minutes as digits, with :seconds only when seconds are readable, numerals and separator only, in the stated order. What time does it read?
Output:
9:24
